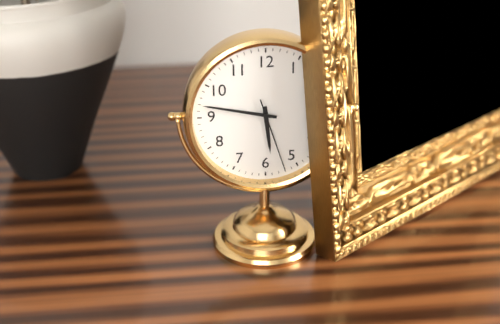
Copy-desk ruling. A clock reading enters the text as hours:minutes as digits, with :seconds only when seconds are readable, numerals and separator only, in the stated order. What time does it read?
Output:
5:47:27
